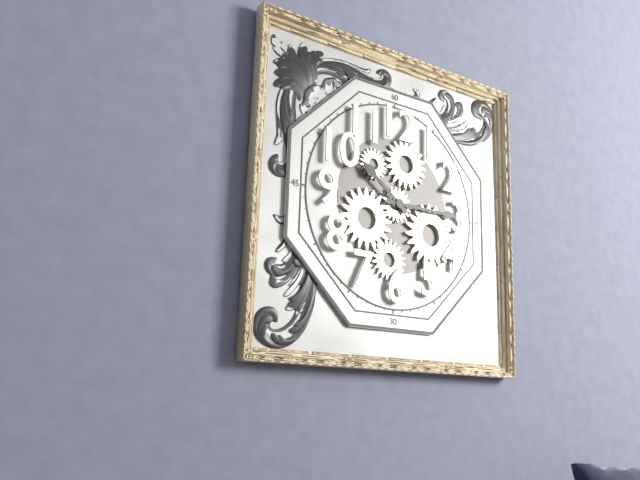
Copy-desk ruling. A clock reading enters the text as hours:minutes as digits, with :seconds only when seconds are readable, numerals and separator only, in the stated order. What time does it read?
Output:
10:15
